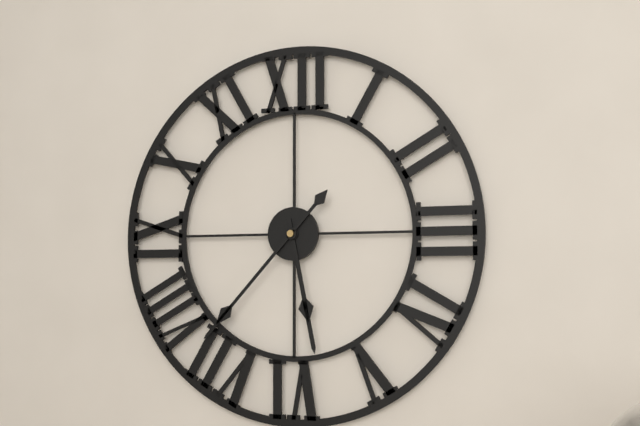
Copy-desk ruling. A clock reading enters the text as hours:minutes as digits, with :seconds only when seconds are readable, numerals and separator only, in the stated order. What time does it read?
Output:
5:37
